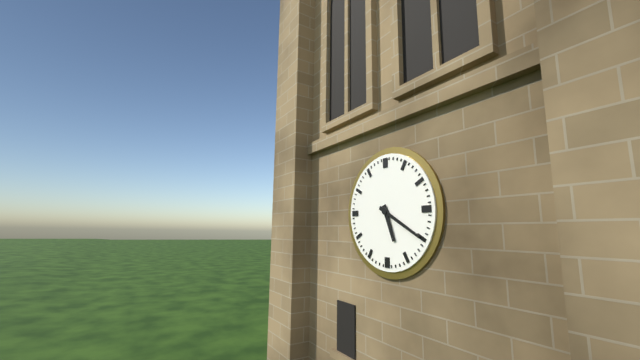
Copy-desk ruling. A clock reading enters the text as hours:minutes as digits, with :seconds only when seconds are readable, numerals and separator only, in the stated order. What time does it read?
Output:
5:20
